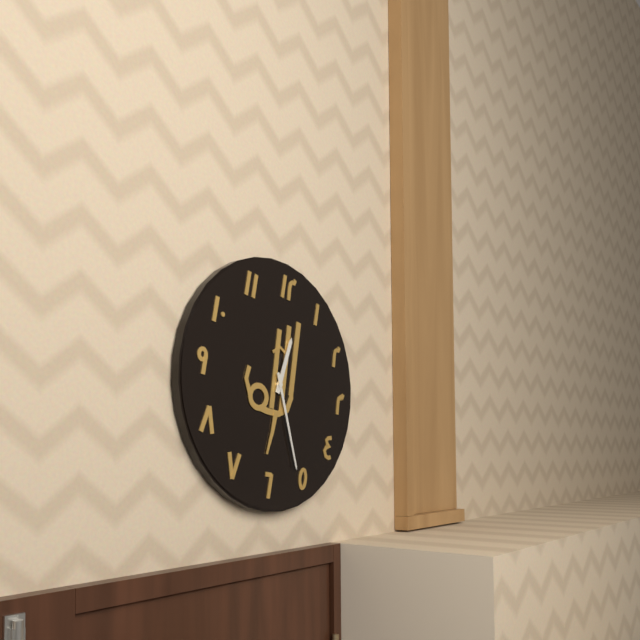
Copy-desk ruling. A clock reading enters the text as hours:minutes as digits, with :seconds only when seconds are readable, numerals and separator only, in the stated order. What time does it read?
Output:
12:26
